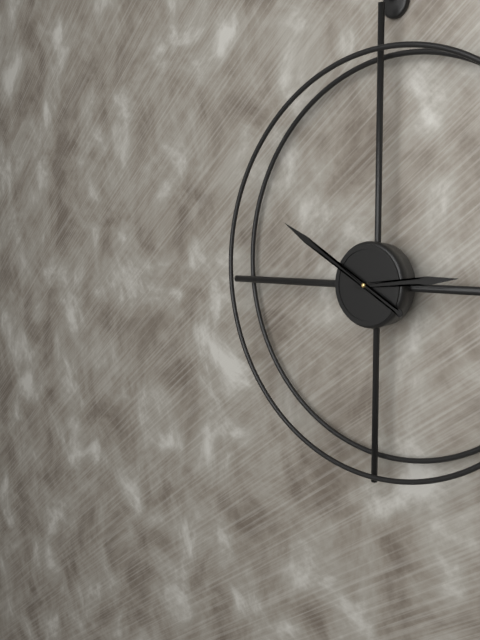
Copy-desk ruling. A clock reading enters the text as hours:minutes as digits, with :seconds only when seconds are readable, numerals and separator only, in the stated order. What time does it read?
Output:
2:50
